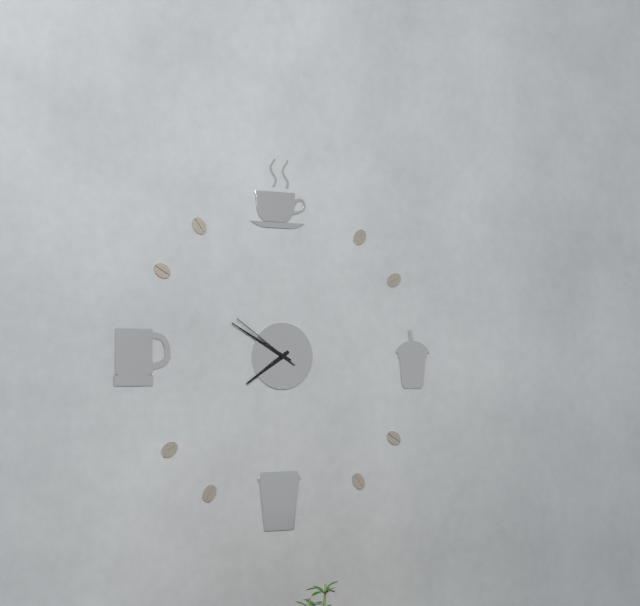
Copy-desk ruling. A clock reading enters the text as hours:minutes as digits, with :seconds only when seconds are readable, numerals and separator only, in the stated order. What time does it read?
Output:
7:50:51
